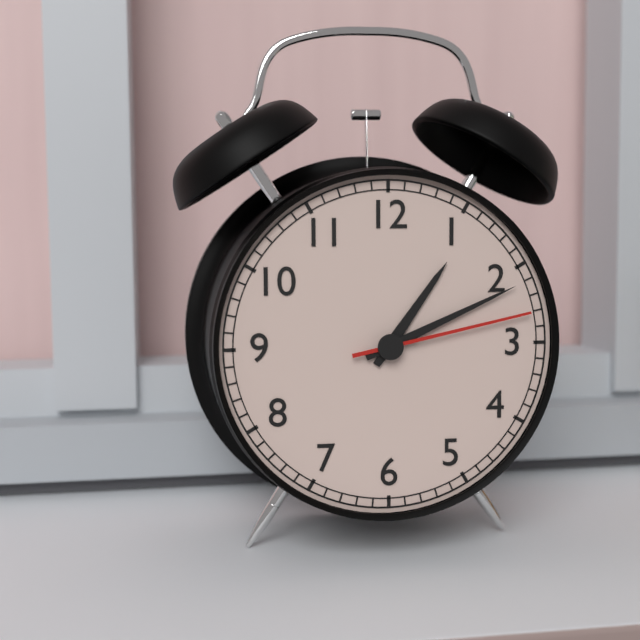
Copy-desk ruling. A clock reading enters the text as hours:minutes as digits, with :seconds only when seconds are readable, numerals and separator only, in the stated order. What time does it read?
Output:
1:11:13
